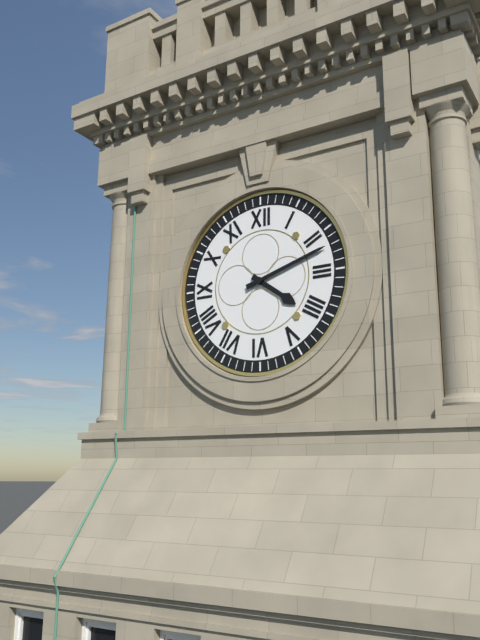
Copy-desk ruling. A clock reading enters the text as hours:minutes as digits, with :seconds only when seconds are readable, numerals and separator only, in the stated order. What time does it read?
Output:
4:12
